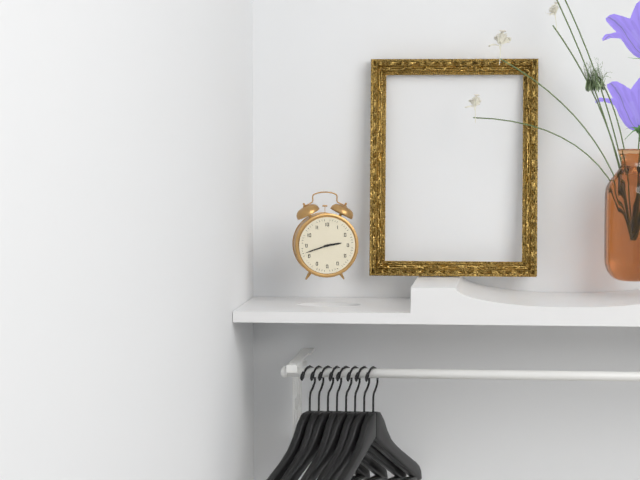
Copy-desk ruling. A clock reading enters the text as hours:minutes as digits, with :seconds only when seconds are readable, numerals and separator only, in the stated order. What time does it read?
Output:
2:42
